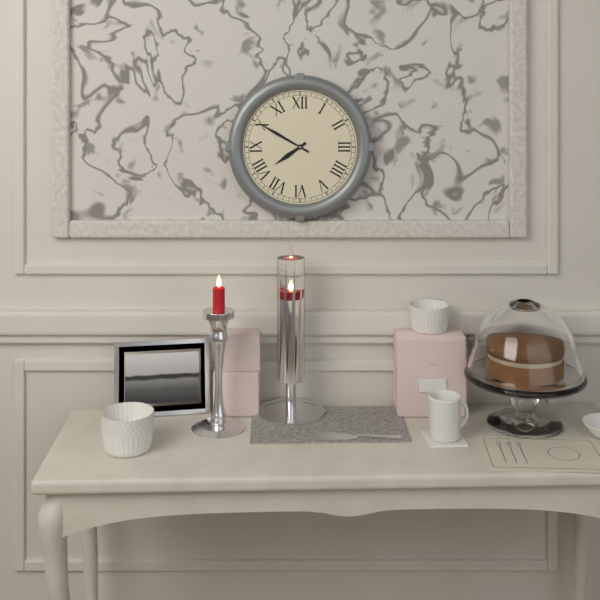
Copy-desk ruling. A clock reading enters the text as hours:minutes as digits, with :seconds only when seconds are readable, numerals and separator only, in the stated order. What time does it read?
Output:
7:50
